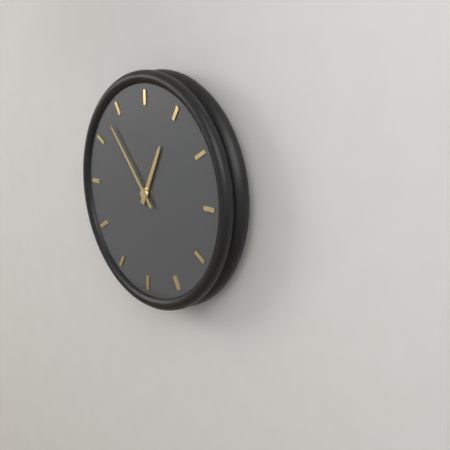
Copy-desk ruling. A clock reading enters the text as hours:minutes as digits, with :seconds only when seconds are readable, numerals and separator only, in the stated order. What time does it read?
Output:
12:53
